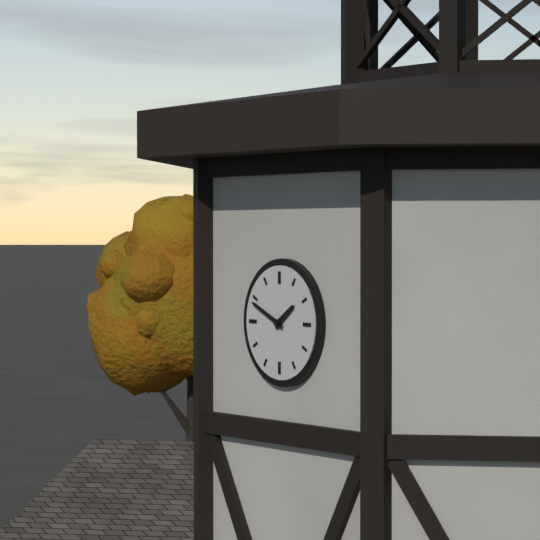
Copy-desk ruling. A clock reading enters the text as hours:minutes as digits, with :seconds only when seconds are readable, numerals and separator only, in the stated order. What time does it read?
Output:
1:49
